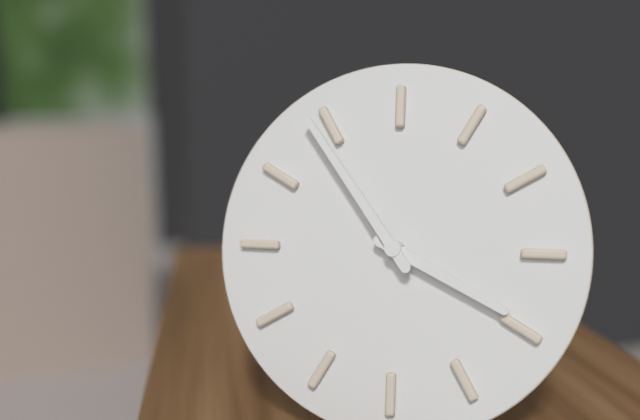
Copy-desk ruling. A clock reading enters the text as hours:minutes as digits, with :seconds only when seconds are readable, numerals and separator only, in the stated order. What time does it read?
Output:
3:54
